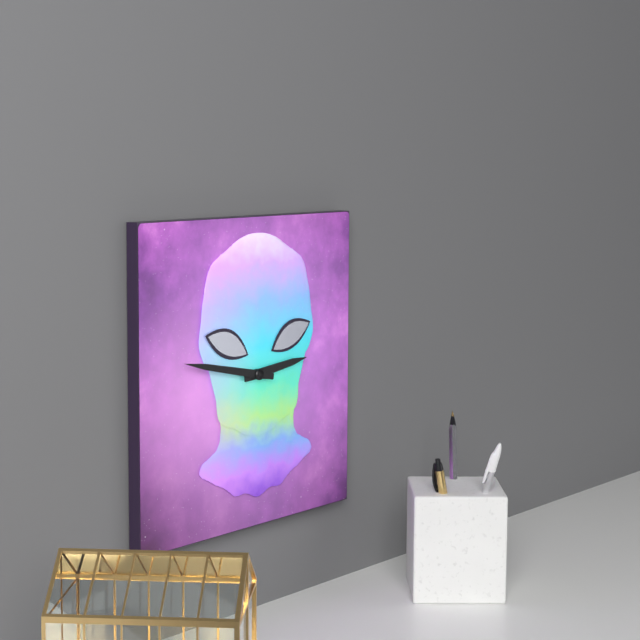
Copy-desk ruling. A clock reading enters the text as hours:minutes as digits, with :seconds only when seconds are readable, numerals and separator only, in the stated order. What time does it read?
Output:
2:47
